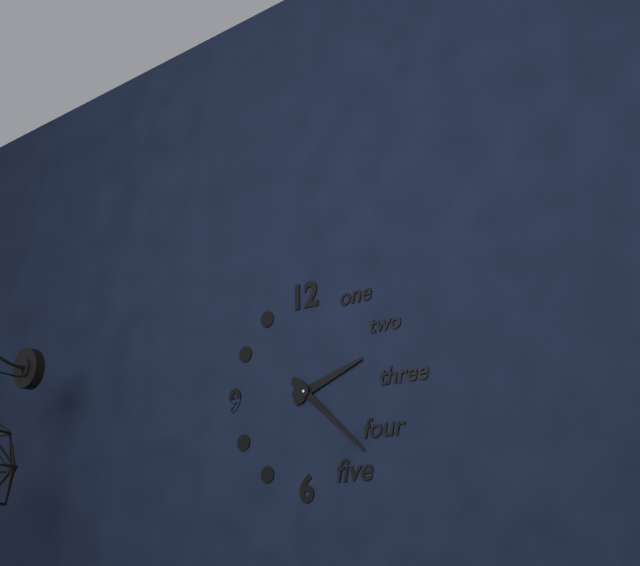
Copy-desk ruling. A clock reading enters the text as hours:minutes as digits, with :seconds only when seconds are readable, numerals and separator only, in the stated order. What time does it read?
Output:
2:22
